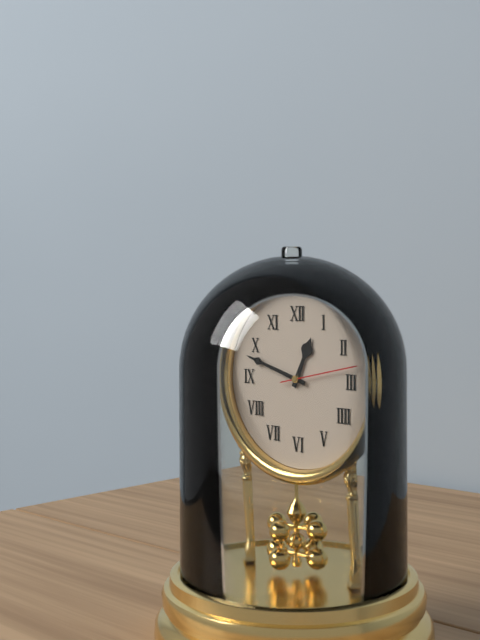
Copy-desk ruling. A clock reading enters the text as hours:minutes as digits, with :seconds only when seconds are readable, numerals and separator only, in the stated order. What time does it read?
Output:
12:48:13
